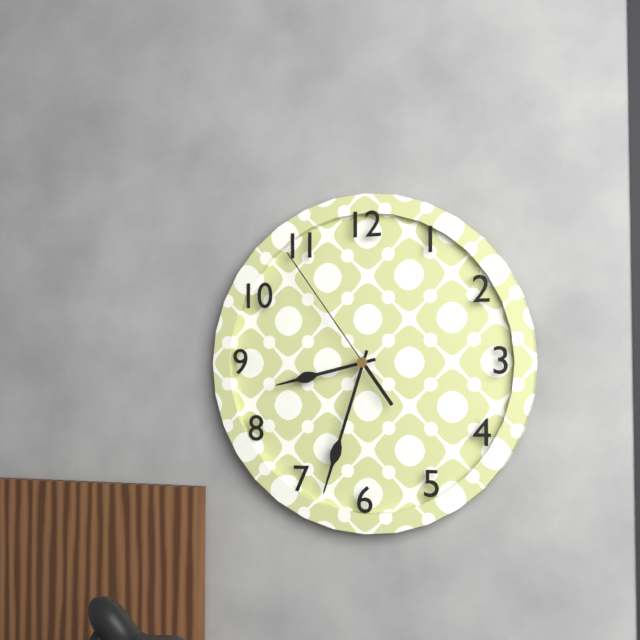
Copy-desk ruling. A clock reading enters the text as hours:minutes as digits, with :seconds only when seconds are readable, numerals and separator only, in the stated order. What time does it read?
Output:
8:33:54
